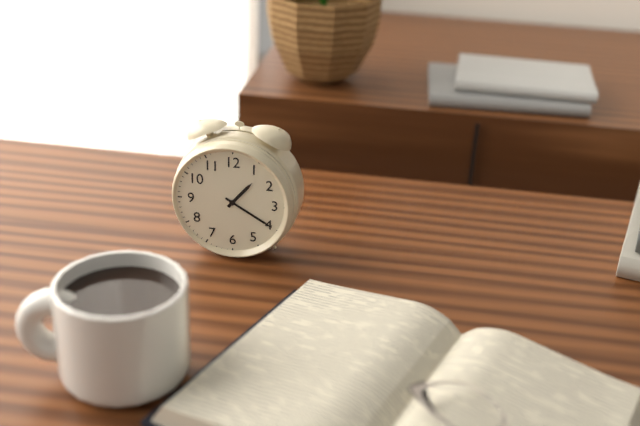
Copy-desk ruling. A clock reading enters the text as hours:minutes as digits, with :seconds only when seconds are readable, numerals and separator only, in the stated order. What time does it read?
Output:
1:20
